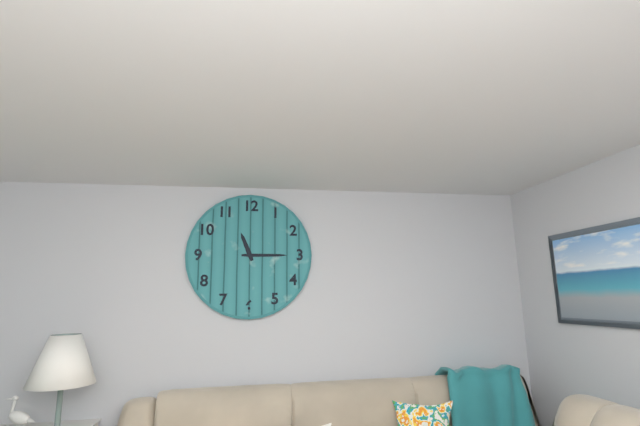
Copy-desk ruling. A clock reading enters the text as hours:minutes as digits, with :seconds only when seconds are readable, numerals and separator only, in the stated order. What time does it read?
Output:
11:15
